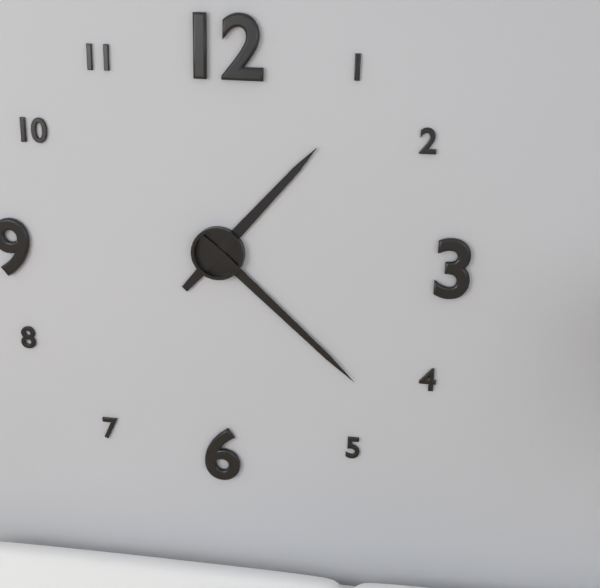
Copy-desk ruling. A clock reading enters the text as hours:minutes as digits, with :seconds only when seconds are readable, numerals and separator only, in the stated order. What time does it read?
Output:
1:22
